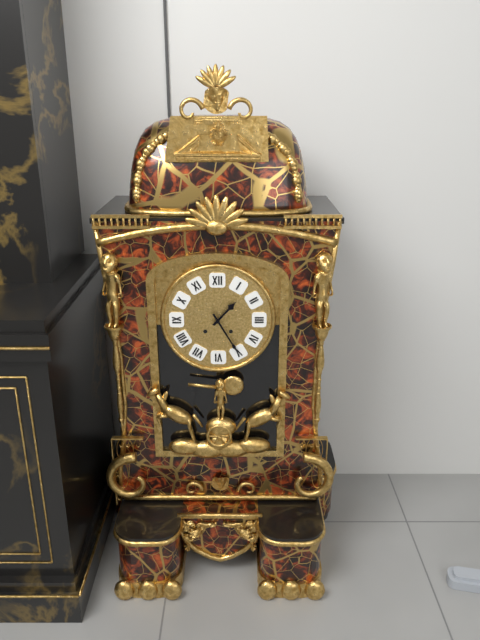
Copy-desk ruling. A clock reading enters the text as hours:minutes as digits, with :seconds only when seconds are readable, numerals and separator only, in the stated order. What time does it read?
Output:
1:25
